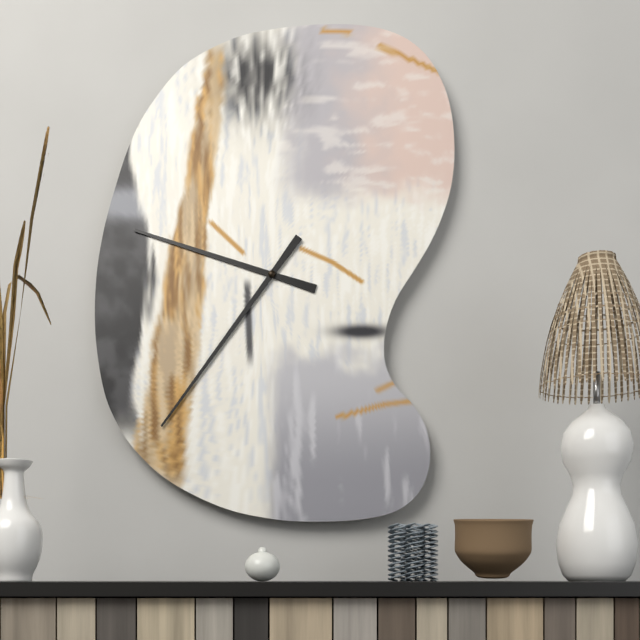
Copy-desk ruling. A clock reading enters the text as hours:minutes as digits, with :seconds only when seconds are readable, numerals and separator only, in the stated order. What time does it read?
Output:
9:36
